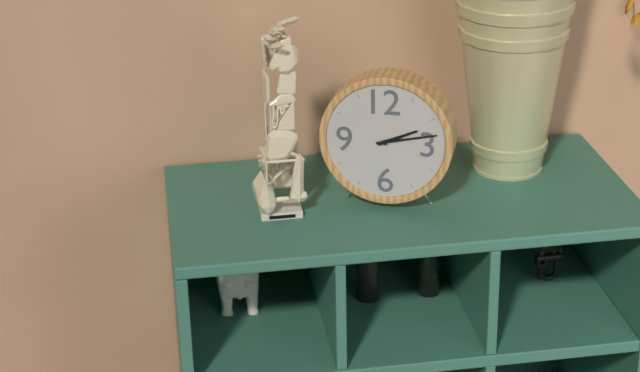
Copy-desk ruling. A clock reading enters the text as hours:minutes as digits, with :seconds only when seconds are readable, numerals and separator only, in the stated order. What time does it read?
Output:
2:13
